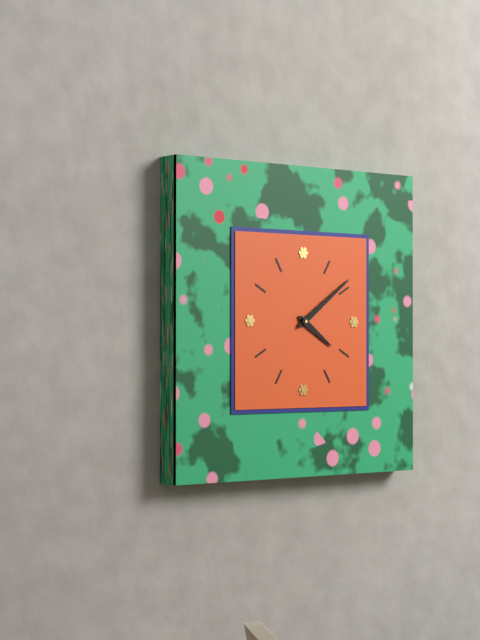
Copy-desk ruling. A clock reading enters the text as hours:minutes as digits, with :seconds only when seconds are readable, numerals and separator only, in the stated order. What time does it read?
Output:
4:09
